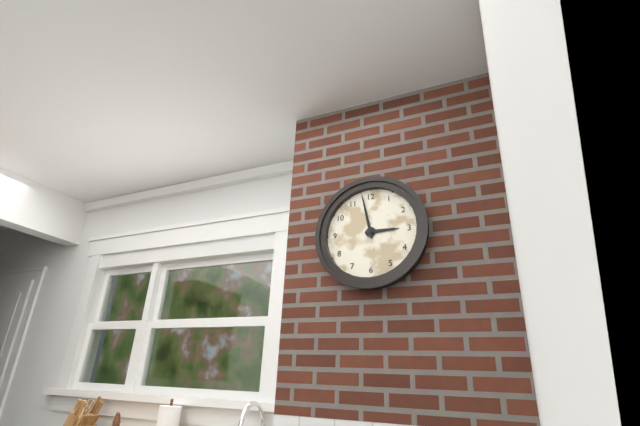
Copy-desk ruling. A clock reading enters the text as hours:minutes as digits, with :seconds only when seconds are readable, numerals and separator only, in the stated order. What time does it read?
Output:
2:58
